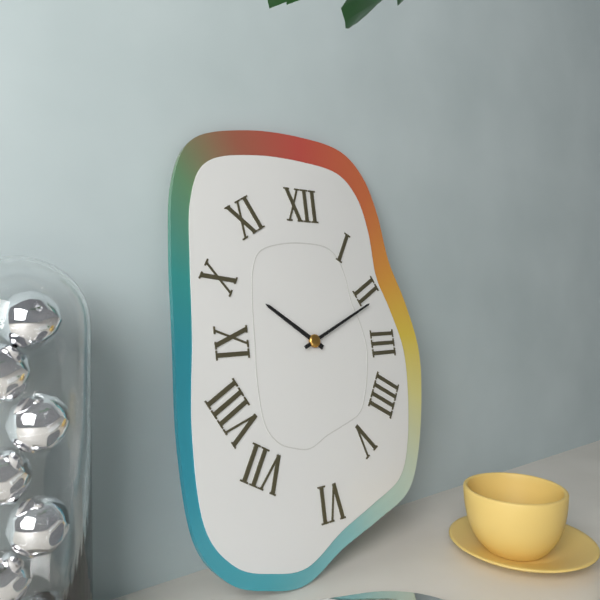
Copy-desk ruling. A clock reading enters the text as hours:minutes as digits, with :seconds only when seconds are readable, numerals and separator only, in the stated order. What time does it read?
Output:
10:11
